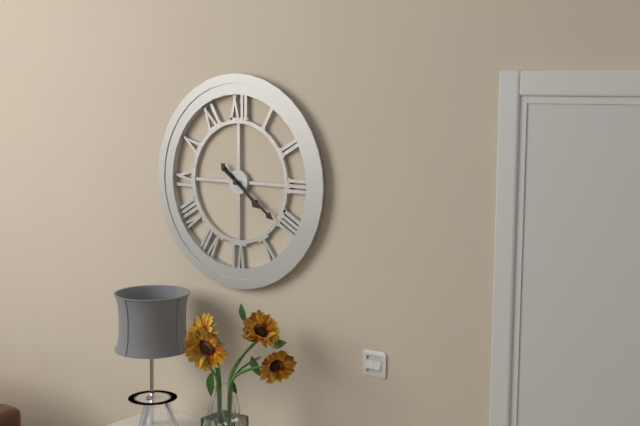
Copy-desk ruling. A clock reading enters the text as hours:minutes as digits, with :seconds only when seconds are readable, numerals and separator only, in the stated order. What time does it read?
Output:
4:21
